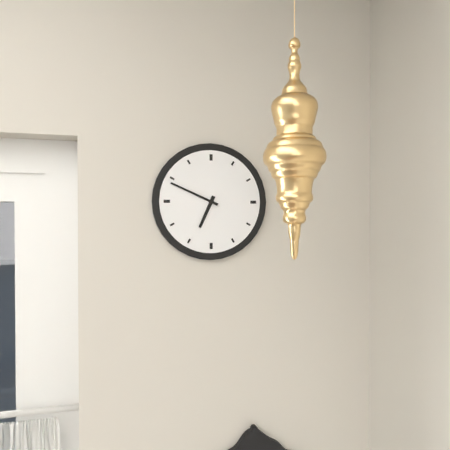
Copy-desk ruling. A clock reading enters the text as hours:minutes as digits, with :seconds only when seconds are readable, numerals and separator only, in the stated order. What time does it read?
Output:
6:49
